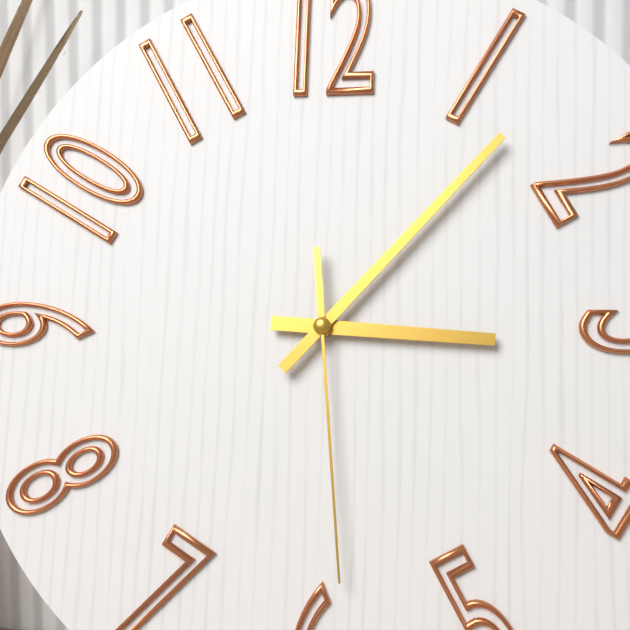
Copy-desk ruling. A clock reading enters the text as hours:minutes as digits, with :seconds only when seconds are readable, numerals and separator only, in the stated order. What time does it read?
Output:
3:07:29
